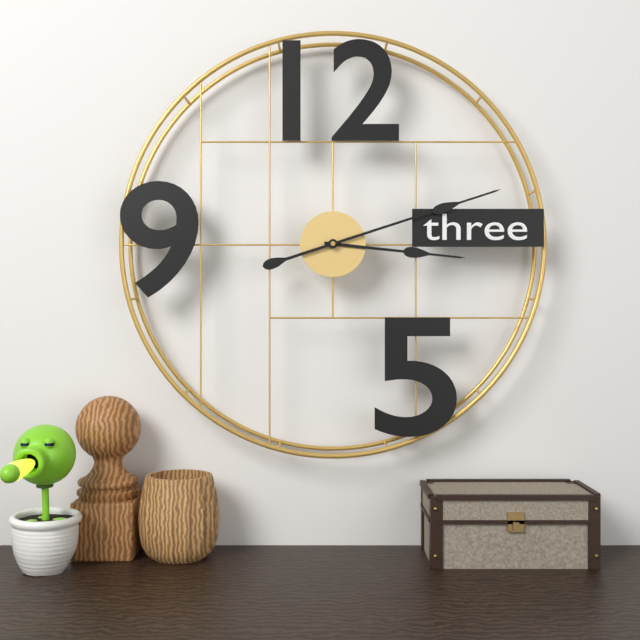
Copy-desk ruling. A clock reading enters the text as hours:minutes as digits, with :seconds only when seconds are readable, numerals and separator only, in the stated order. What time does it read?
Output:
3:12
